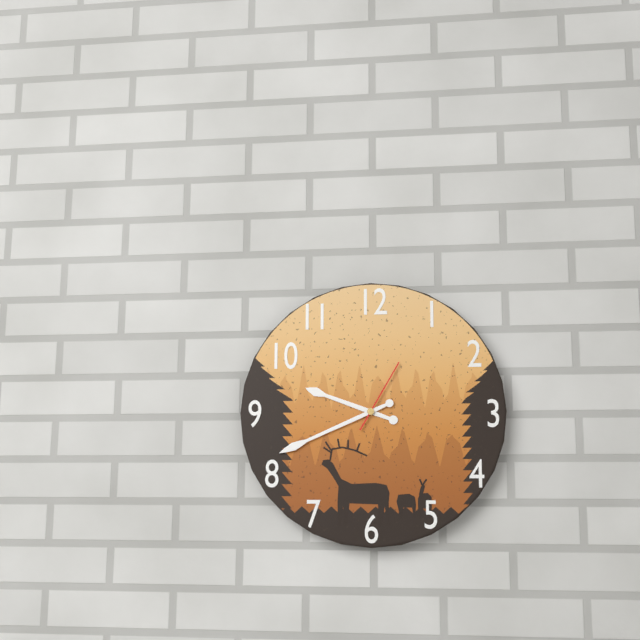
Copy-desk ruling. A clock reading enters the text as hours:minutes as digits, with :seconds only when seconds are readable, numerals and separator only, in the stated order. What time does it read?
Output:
9:41:05
